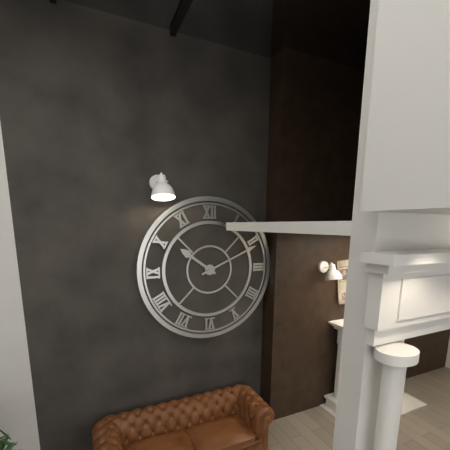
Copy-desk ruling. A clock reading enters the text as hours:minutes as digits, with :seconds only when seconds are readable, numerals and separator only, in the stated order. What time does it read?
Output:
10:11
